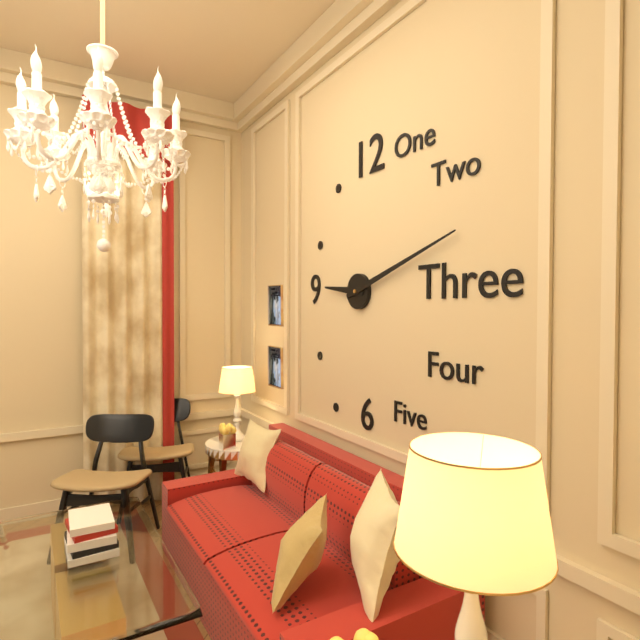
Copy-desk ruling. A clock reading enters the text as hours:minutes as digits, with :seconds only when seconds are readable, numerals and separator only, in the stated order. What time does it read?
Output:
9:12
